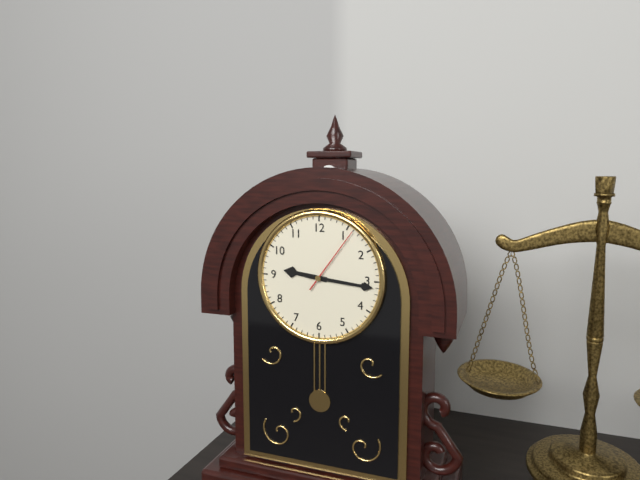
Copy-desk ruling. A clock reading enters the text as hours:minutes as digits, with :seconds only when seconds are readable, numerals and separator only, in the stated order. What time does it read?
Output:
9:16:06
